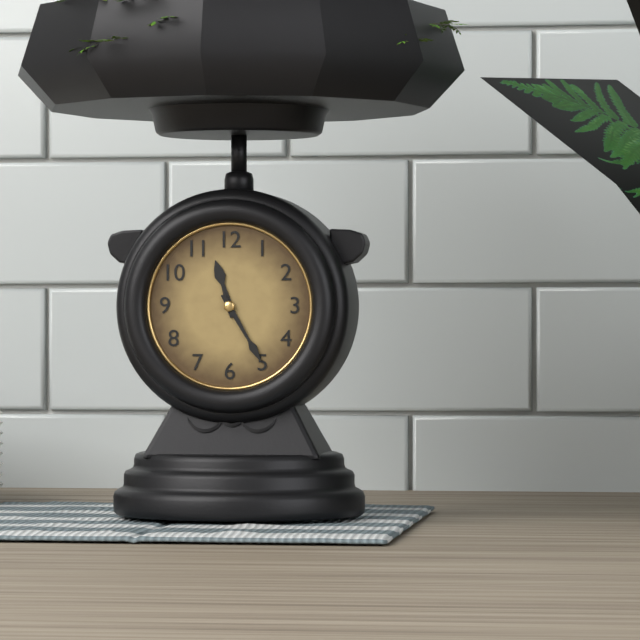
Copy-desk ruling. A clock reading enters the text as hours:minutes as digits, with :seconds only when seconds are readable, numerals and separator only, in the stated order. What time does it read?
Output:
11:25
